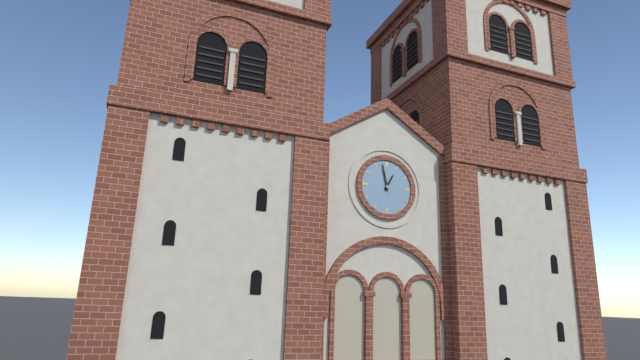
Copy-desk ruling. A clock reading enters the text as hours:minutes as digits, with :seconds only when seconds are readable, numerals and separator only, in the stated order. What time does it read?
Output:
12:58
